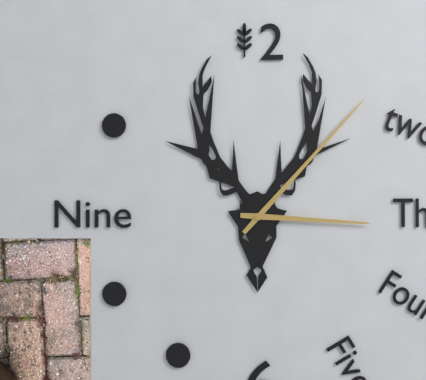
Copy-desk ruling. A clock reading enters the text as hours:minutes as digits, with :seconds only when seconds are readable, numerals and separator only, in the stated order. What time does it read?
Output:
3:07
